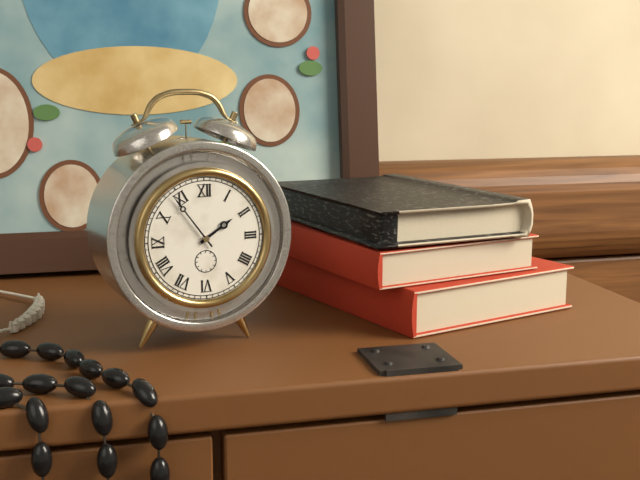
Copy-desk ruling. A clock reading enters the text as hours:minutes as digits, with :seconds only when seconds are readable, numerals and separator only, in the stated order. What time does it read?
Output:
1:54
